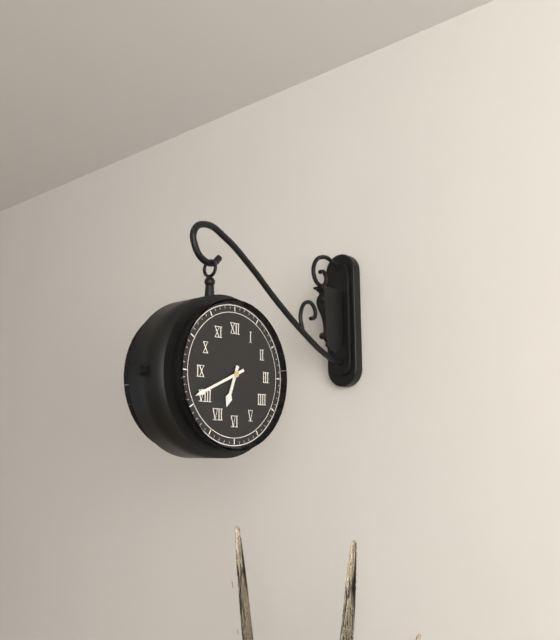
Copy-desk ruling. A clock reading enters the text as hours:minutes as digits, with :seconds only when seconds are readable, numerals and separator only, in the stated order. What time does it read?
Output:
6:41
